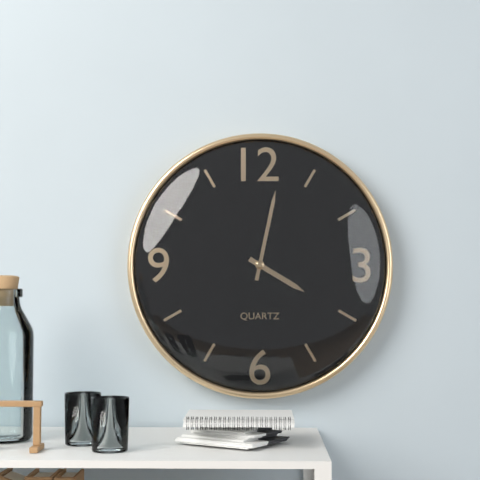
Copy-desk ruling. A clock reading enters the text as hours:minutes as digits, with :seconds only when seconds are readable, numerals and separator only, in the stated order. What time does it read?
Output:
4:02
